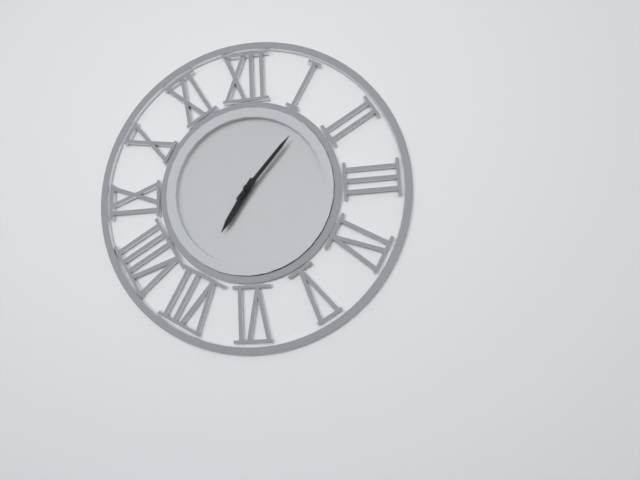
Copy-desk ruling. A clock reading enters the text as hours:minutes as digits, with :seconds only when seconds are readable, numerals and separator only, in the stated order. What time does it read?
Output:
7:07
